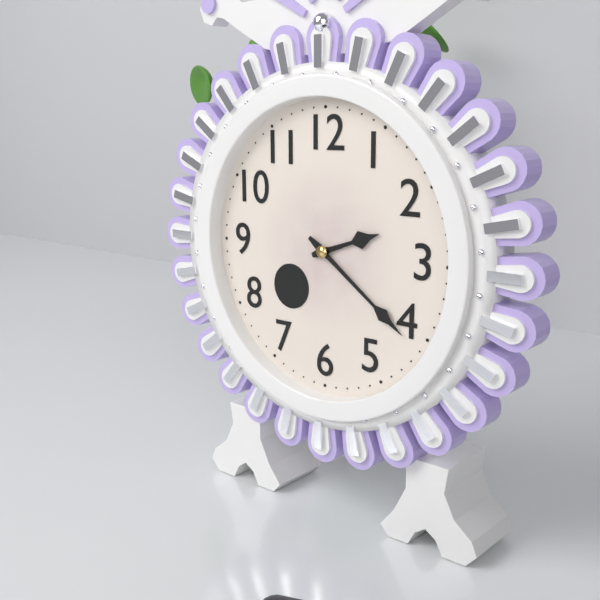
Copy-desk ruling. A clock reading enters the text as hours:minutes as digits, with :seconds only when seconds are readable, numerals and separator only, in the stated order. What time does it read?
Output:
2:21
